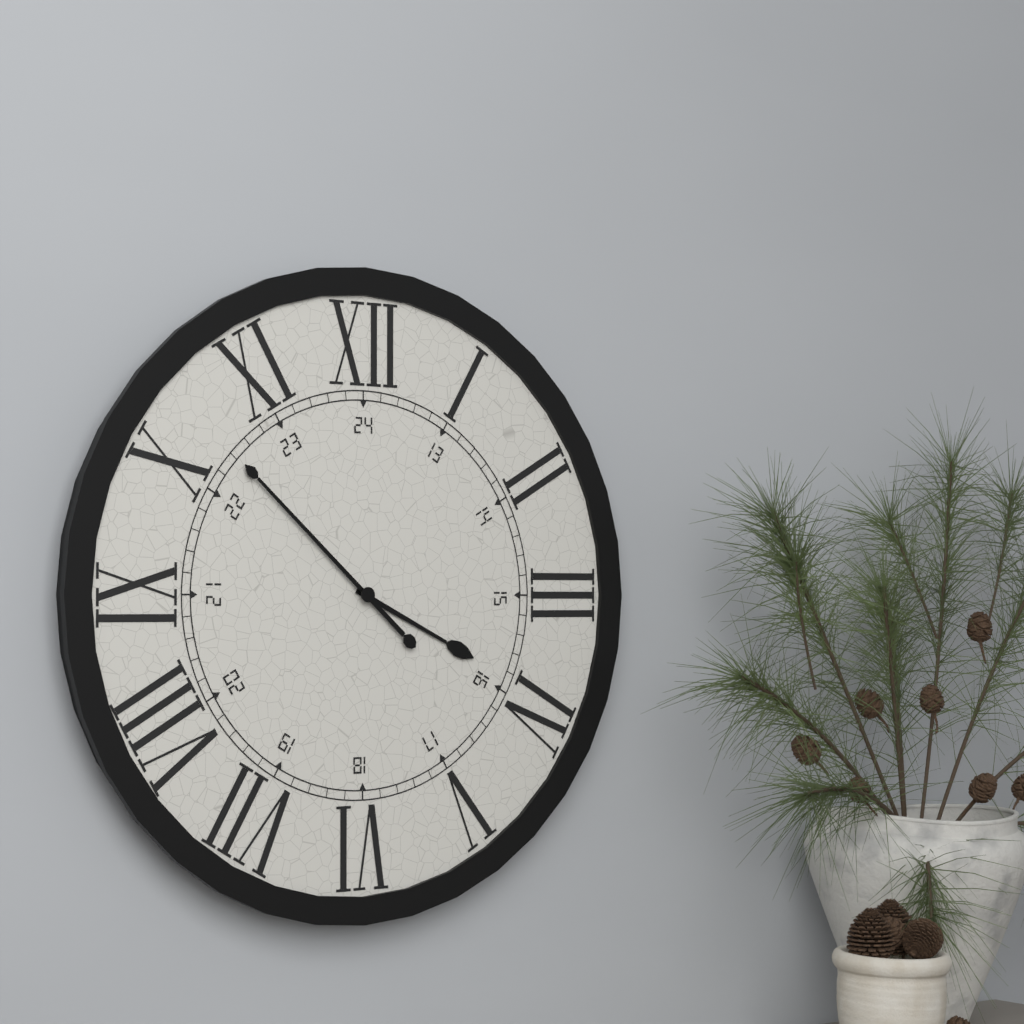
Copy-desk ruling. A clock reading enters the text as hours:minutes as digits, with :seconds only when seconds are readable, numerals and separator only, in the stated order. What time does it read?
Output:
3:52
